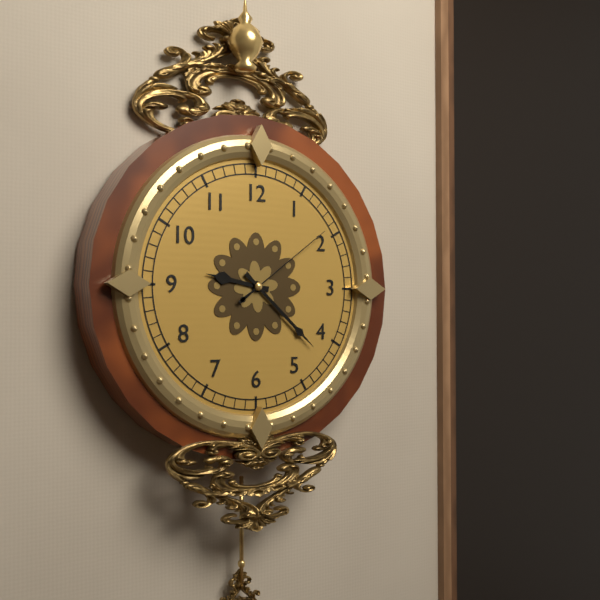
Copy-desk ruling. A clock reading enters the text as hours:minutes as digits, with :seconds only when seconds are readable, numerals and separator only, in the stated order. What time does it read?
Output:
9:22:09
